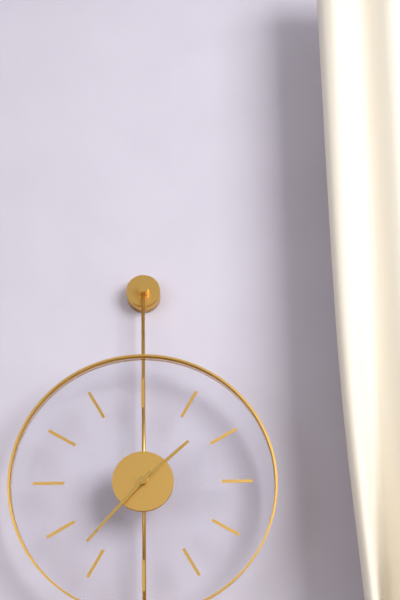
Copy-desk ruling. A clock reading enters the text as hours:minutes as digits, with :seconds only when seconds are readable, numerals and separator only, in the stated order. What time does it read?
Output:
1:37
